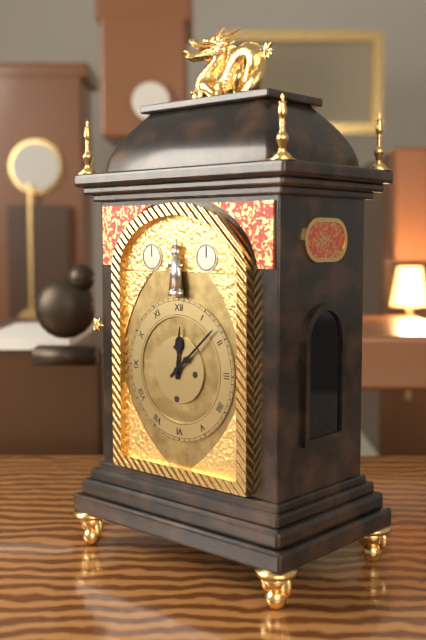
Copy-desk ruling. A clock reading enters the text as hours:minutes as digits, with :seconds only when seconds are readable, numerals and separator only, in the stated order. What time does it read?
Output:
12:08
